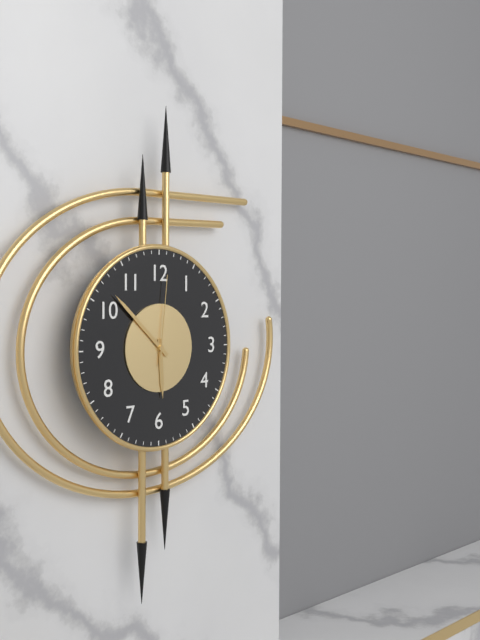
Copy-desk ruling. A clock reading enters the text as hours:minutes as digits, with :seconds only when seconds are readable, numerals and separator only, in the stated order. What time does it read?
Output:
5:52:01
